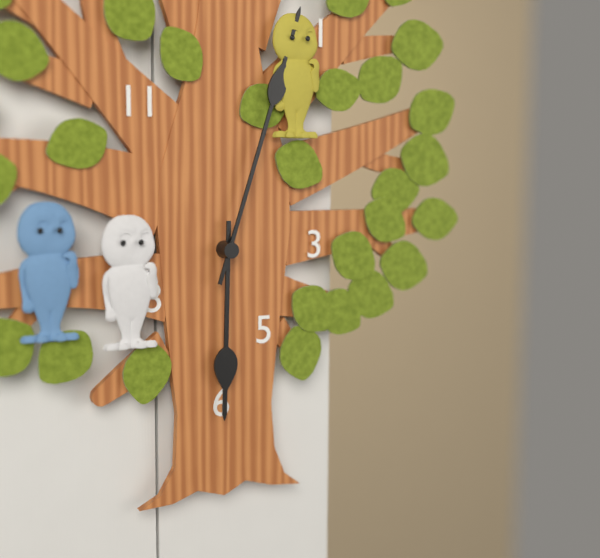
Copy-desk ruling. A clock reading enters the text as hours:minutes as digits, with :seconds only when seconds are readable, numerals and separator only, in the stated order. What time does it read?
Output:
6:03
